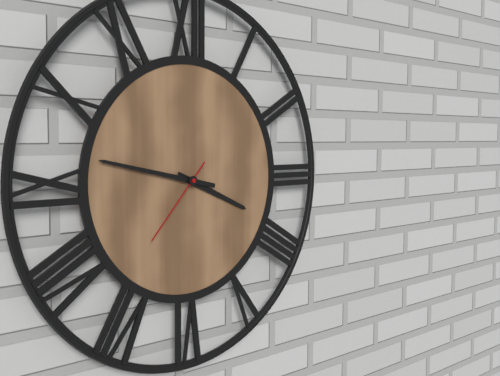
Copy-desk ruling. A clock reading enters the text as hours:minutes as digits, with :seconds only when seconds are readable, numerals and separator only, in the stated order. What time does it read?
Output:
3:47:37
